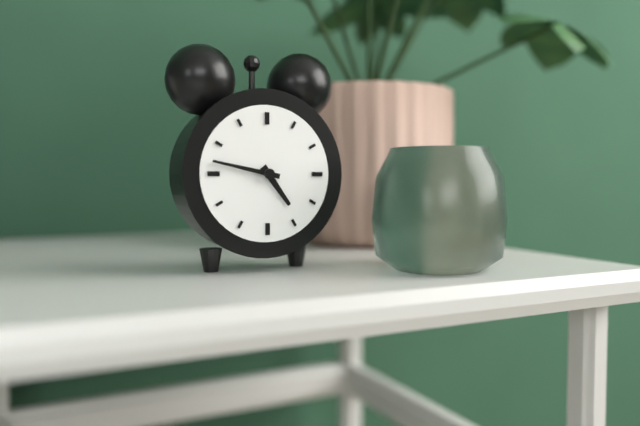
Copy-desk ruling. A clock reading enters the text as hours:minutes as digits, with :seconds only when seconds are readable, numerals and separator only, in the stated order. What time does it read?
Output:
4:47
